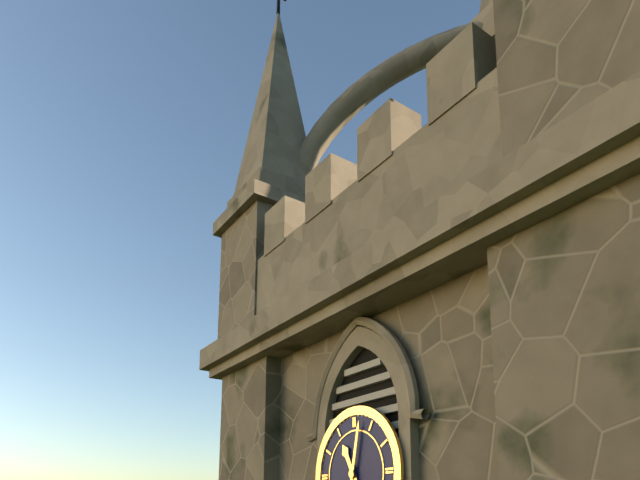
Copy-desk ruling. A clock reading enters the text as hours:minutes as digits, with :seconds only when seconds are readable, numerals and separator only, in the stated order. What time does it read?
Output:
11:02
